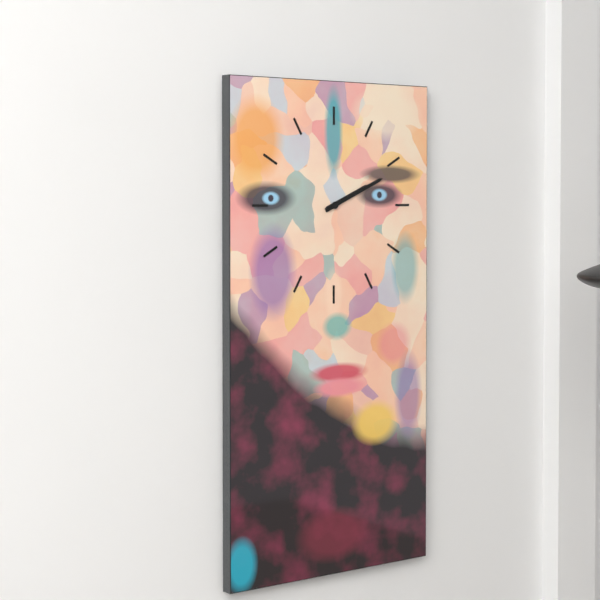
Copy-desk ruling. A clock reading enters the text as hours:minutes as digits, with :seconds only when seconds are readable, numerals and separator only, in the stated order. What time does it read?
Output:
2:11
